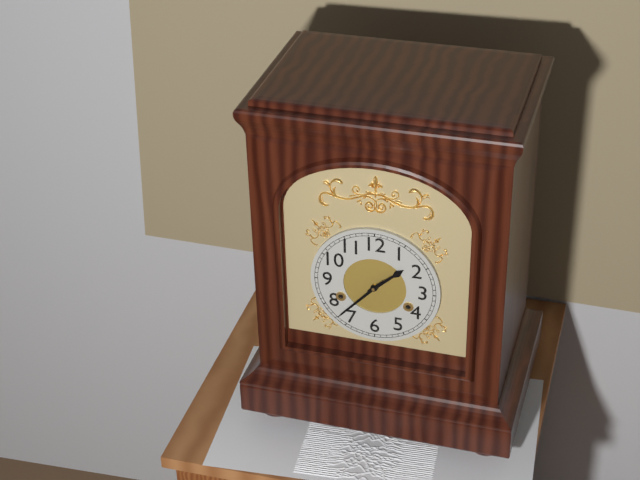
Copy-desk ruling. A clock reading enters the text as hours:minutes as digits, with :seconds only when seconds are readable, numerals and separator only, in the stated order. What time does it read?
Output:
1:37
